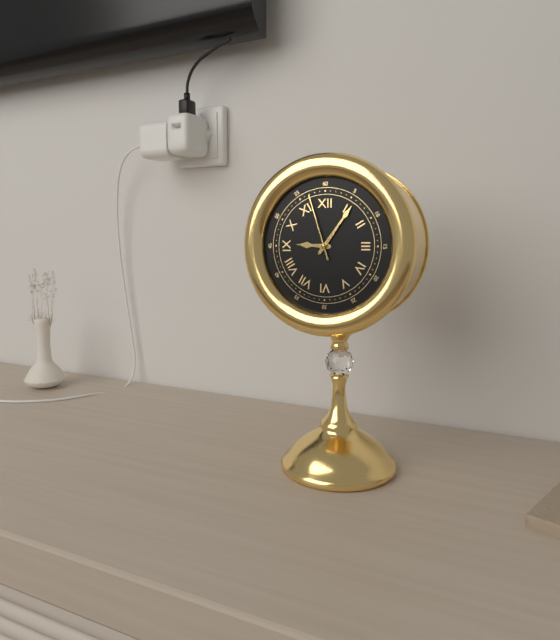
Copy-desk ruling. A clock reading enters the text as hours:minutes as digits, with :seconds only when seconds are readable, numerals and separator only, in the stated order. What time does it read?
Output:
9:06:57
